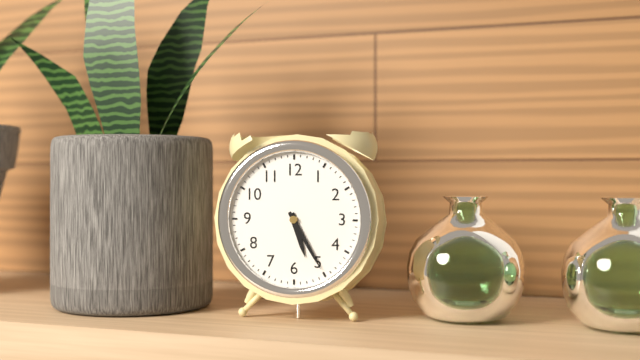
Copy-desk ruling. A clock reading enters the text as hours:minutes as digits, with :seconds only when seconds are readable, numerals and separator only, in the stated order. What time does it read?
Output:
5:25
